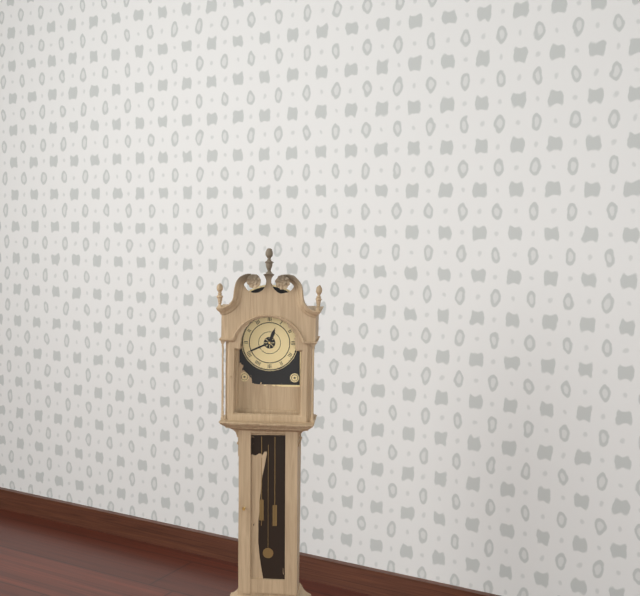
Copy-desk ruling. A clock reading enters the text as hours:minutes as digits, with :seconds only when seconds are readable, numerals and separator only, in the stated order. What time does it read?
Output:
12:41
